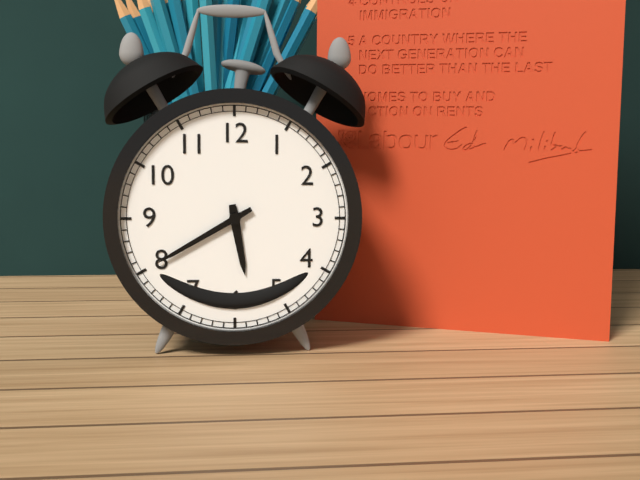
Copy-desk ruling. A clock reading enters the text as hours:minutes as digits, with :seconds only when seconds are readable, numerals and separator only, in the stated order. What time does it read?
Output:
5:40
